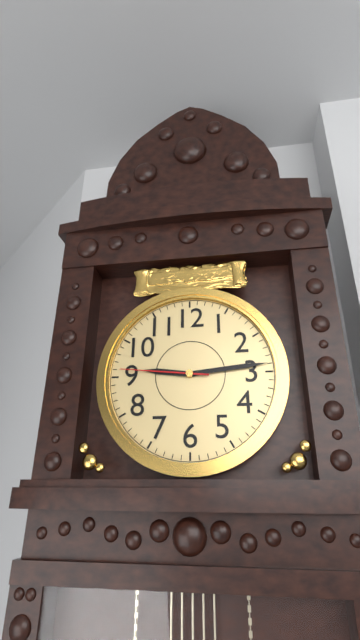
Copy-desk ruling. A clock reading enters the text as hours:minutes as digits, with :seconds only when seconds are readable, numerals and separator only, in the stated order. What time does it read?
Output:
9:14:46
